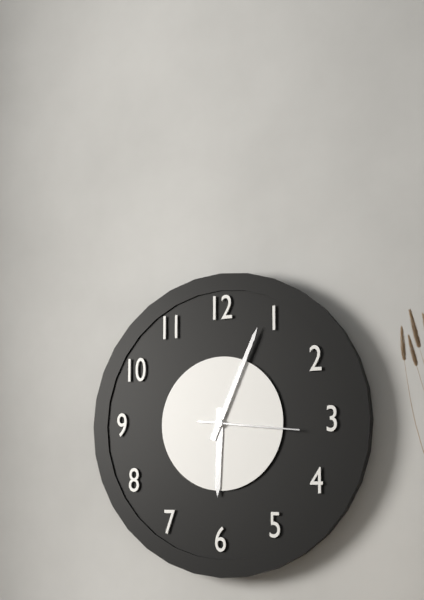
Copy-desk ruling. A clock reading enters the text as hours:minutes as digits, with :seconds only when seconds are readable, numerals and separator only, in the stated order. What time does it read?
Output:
6:04:16
